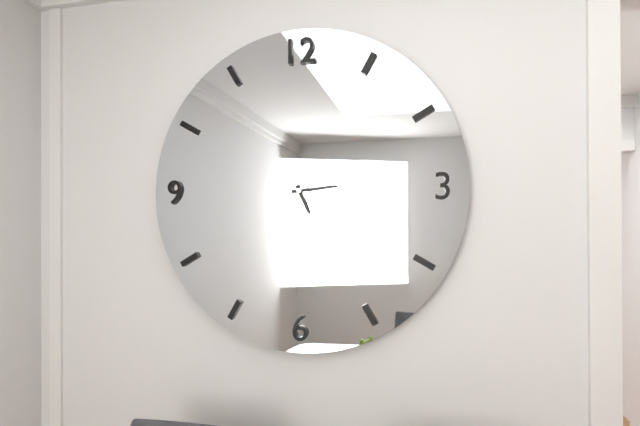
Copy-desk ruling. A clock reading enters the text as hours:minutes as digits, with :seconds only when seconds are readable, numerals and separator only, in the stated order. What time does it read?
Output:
5:14
